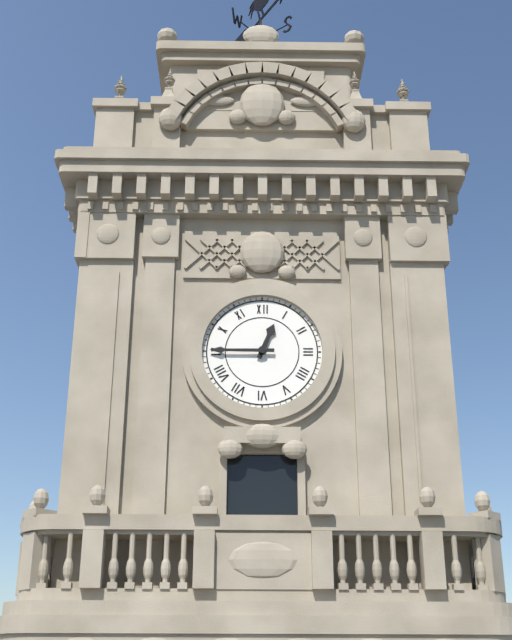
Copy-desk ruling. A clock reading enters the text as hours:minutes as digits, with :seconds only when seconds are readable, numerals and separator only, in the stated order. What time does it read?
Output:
12:45
